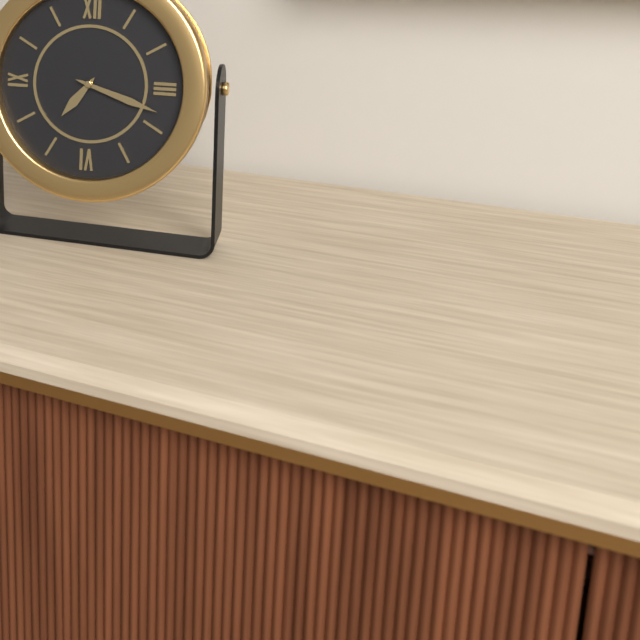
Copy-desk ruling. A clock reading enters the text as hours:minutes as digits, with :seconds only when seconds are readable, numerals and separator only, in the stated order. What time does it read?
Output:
7:18
